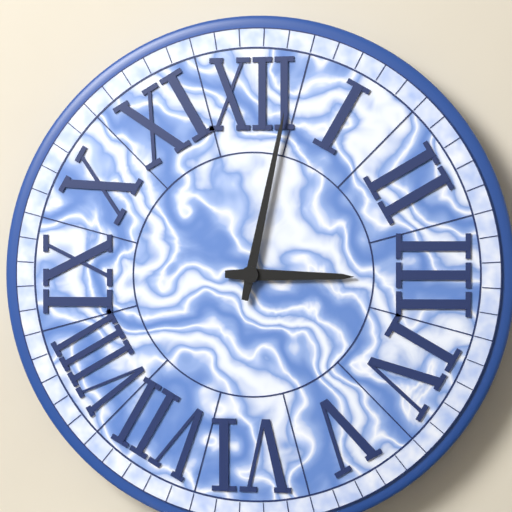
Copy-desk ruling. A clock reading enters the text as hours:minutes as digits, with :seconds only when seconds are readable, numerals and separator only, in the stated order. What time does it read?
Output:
3:02
